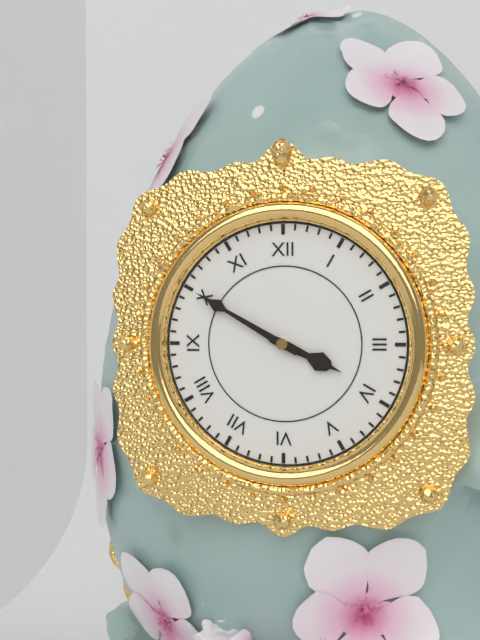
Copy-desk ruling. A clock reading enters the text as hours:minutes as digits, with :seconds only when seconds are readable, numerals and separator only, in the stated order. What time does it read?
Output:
3:50
